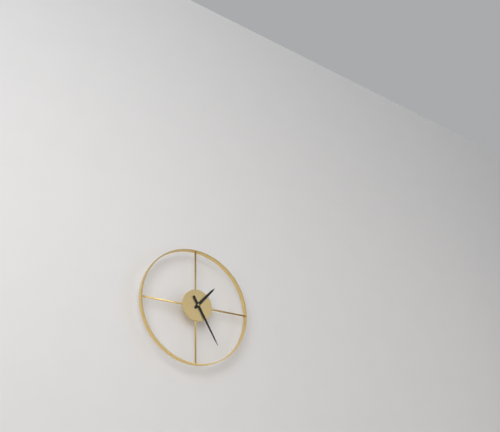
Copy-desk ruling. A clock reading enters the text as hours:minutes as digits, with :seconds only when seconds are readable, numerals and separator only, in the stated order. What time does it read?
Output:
1:25
